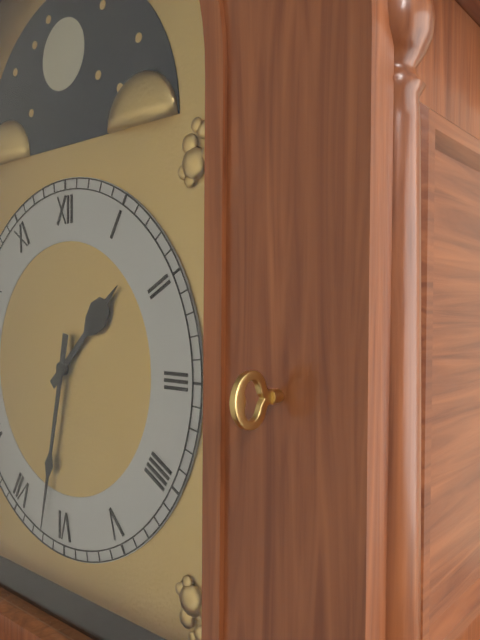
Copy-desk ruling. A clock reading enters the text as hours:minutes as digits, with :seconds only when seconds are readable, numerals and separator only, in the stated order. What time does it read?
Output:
1:32
